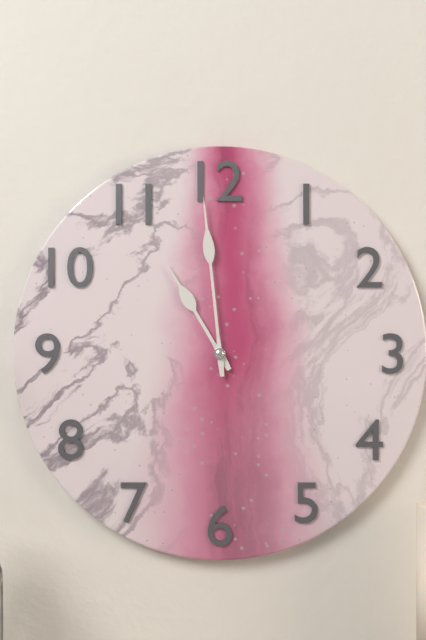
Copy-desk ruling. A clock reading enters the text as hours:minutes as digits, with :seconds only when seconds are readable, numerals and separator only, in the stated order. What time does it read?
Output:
10:59
